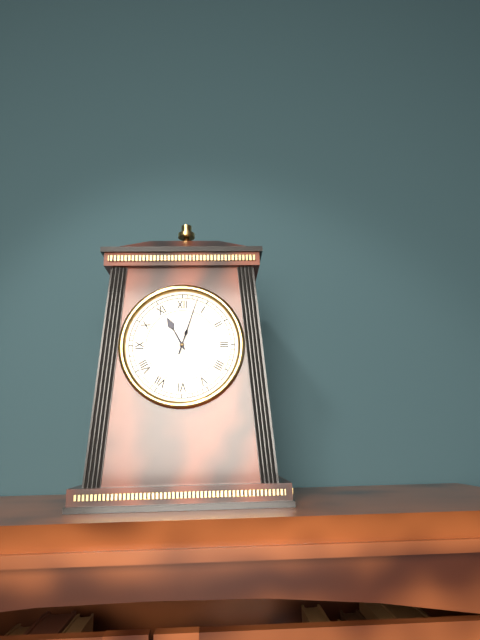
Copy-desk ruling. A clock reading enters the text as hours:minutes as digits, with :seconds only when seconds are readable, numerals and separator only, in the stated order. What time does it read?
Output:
11:03
